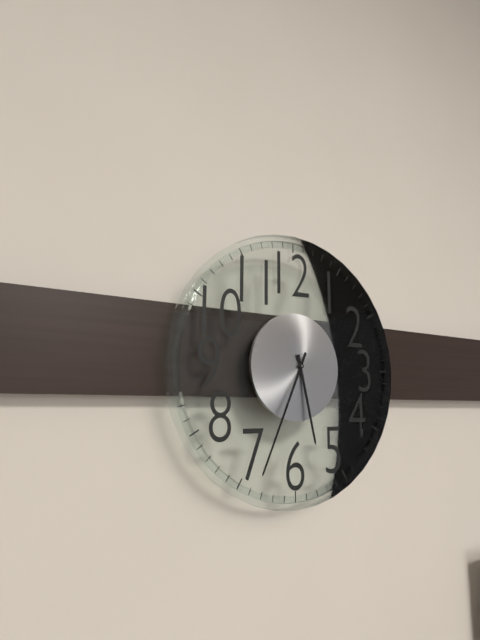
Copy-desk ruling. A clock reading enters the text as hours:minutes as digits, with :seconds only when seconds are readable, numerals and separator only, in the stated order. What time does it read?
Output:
5:34
